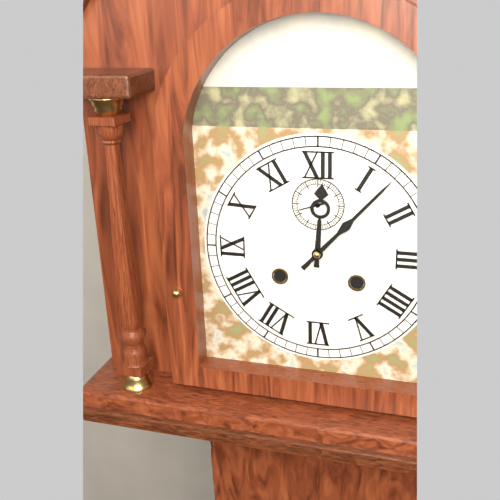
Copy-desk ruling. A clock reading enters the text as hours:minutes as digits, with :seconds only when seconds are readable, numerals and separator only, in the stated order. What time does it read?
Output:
12:07
